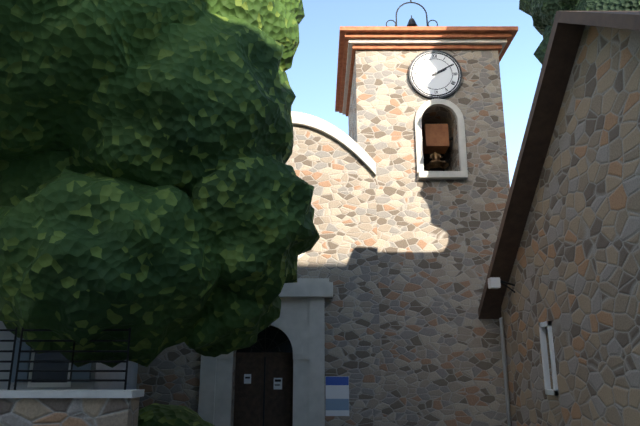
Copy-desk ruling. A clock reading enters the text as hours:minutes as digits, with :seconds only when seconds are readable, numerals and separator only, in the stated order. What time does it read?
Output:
2:10
